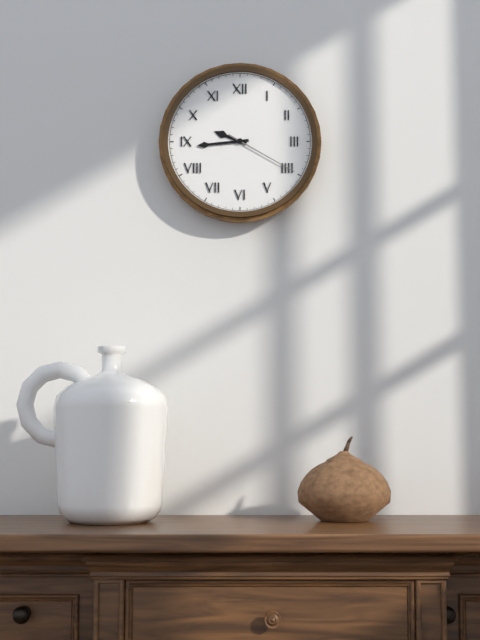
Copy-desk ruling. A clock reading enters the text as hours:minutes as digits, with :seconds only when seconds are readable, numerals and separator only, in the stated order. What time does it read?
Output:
9:44:20
